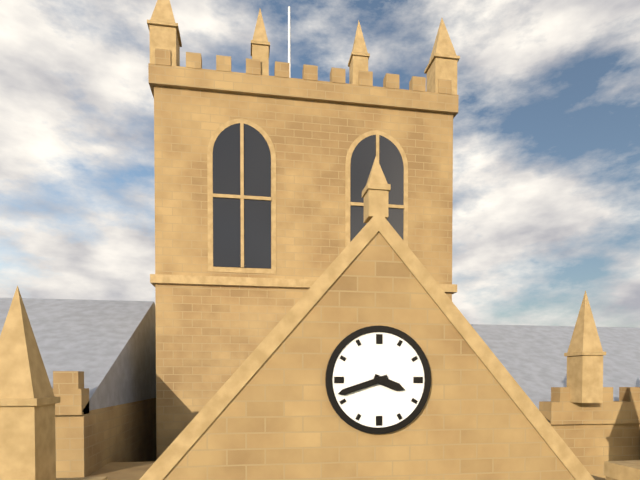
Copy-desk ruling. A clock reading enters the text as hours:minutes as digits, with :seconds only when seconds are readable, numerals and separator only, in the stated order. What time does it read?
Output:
3:42
